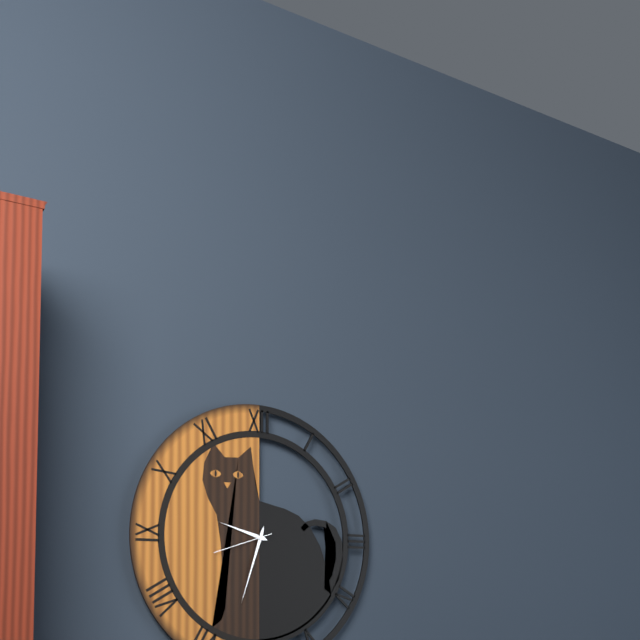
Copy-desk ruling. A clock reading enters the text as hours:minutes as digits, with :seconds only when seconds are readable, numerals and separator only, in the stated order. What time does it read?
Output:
9:33:42
